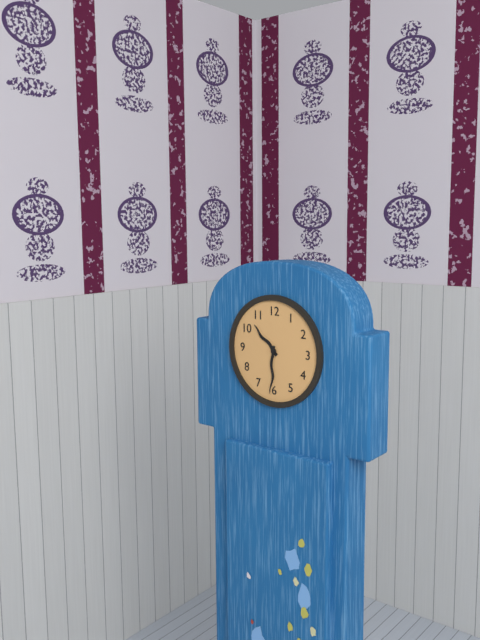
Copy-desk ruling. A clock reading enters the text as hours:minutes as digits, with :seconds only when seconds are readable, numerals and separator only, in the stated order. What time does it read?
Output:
10:31
